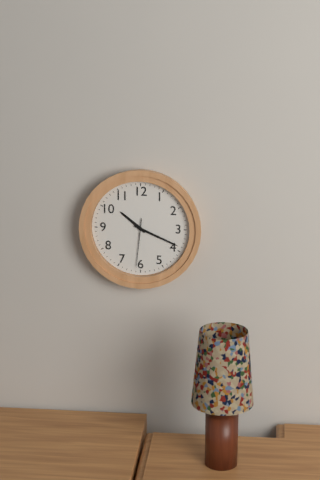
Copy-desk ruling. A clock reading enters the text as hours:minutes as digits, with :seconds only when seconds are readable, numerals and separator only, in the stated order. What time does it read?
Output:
10:19:31
